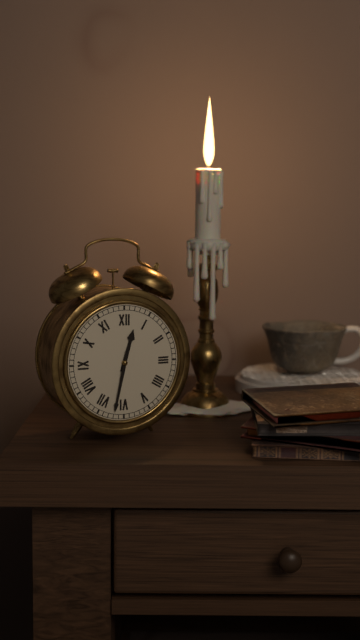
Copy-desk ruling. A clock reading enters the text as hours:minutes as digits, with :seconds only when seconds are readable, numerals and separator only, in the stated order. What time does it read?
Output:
12:32
